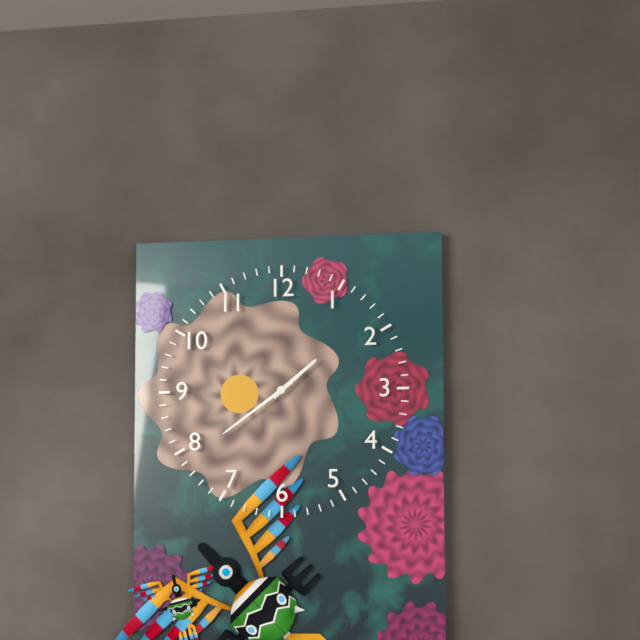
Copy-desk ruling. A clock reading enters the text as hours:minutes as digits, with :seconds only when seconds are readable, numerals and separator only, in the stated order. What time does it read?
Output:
1:39
